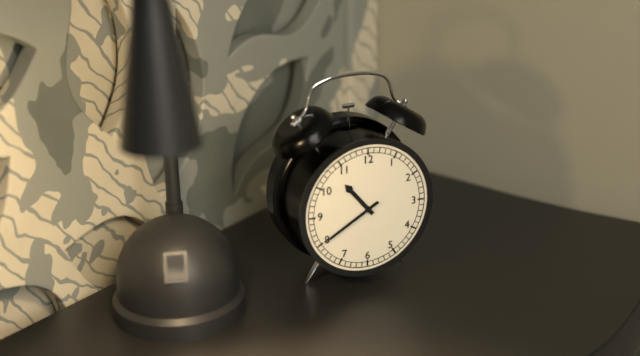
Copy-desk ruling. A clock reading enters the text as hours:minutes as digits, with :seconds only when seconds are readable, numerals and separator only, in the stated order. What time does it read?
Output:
10:40
